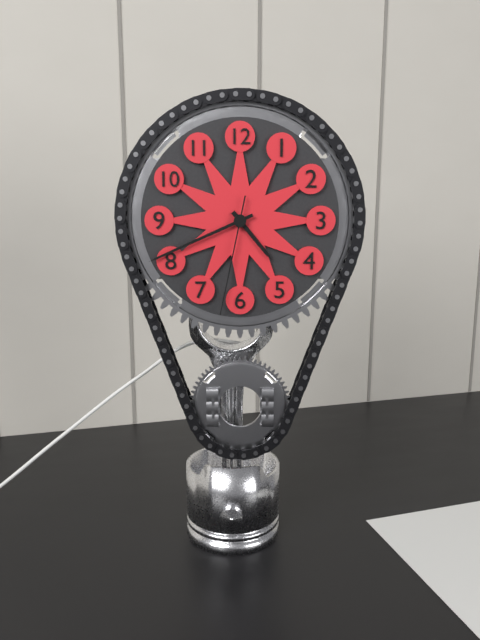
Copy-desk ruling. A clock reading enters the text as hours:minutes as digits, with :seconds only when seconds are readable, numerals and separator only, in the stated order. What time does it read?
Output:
4:41:32
